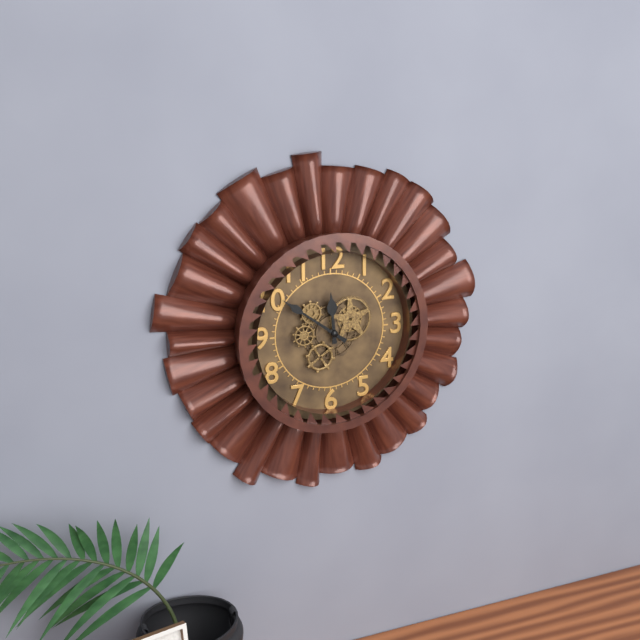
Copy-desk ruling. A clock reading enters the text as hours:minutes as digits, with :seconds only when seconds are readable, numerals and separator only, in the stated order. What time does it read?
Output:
11:51
